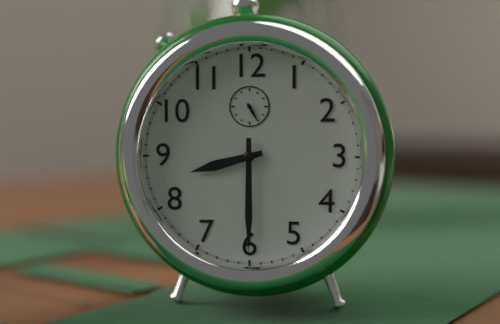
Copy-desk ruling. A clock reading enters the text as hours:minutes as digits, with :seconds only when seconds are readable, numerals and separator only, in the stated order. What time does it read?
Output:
8:30
